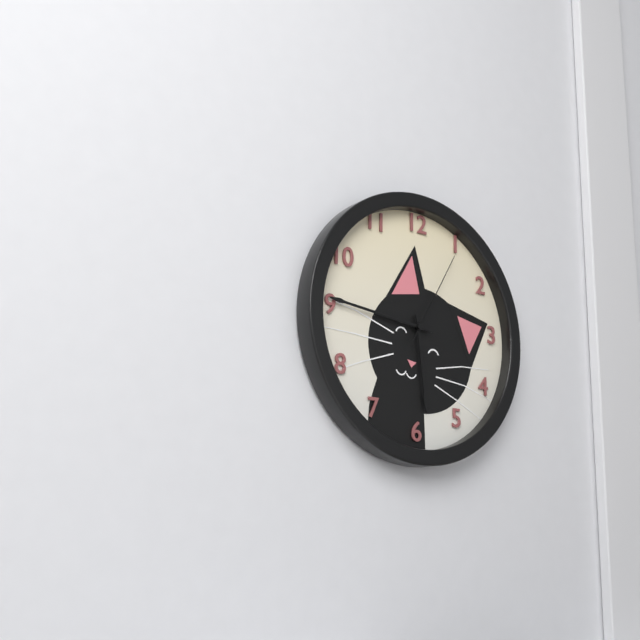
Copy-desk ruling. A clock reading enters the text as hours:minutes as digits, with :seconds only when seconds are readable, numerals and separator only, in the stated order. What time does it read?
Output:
5:46:05
